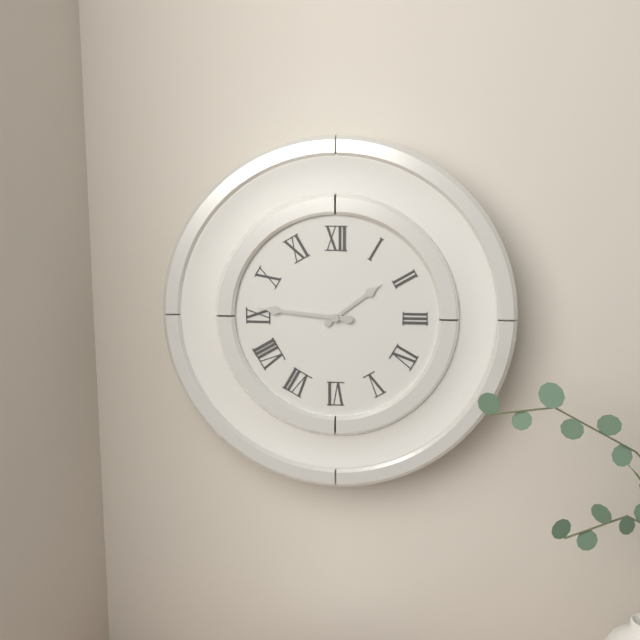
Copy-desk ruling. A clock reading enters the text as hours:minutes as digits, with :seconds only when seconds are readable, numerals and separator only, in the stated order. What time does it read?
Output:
1:46
